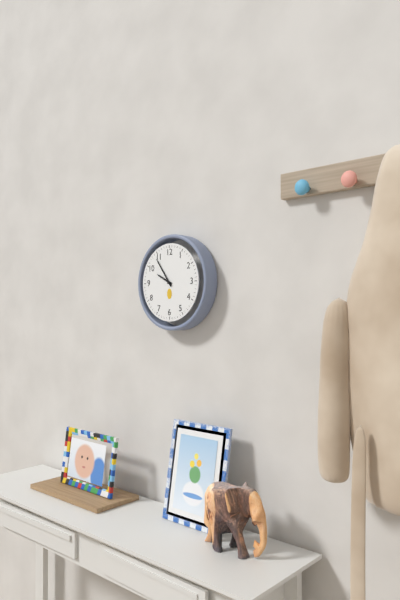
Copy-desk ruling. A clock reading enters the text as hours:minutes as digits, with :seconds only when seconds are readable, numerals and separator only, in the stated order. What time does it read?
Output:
9:54
